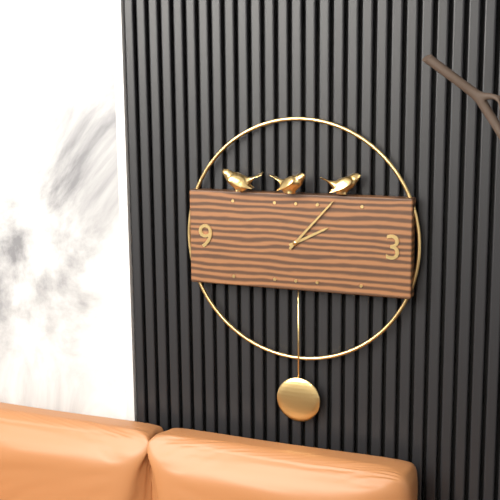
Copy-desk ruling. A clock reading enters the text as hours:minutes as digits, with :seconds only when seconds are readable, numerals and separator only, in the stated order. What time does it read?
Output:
2:07
